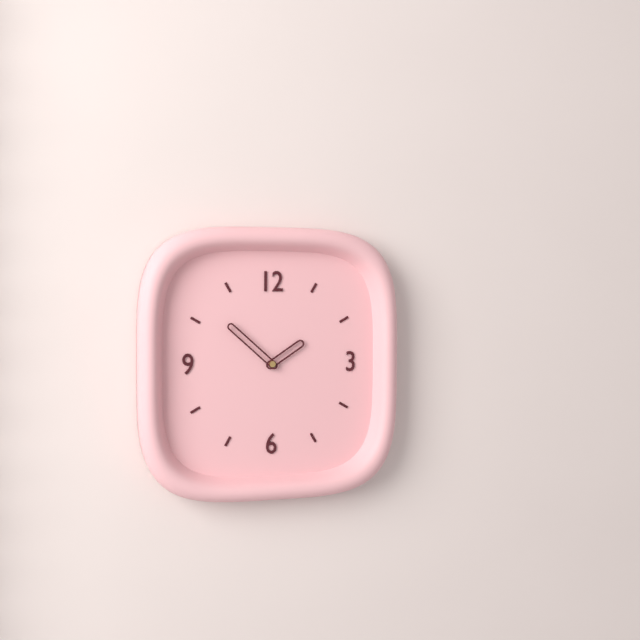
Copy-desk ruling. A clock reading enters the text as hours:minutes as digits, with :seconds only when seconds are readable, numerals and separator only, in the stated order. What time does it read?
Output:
1:52
